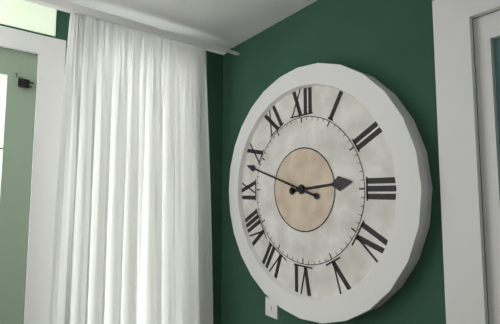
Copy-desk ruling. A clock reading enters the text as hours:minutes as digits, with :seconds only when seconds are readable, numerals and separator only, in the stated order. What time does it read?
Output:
2:48
